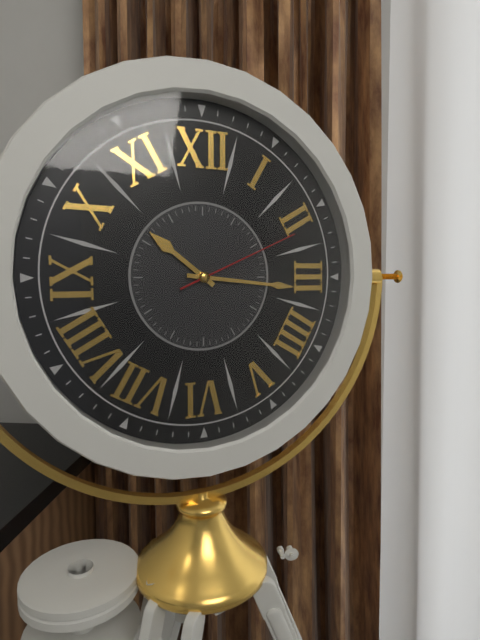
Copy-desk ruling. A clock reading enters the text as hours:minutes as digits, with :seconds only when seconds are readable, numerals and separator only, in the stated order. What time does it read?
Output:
10:16:11
